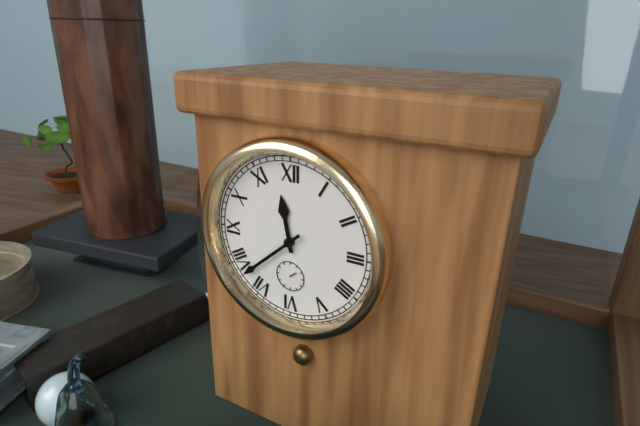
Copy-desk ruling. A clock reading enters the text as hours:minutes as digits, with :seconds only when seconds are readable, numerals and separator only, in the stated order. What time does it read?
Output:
11:38
